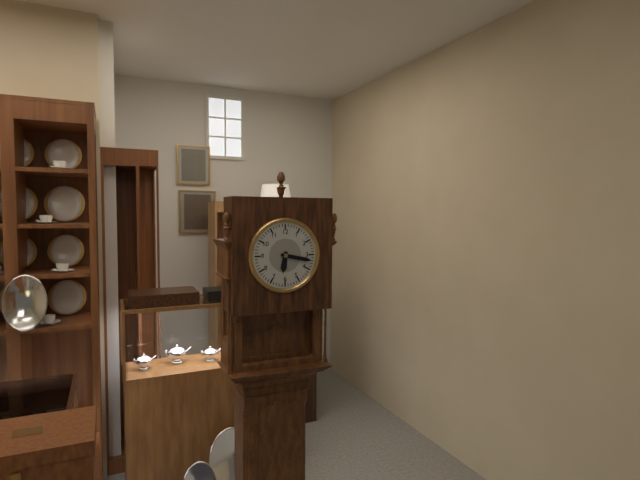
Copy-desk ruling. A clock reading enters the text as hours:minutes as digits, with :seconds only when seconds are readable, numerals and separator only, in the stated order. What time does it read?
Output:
6:17
